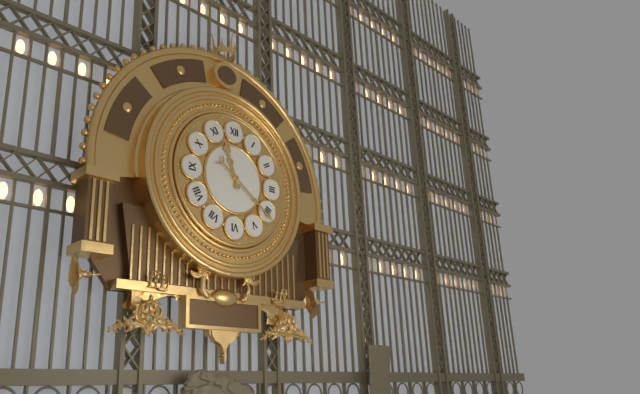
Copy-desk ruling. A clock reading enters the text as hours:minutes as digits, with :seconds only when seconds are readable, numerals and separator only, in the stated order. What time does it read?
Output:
11:21
